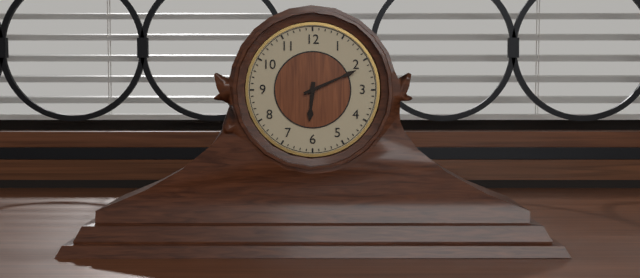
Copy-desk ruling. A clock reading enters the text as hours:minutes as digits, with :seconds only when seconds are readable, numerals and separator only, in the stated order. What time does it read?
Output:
6:11
